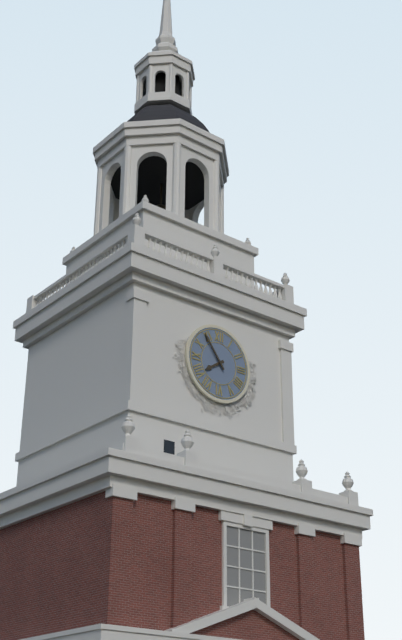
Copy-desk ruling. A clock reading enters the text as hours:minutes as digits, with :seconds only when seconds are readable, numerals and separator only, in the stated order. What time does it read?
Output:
7:54
